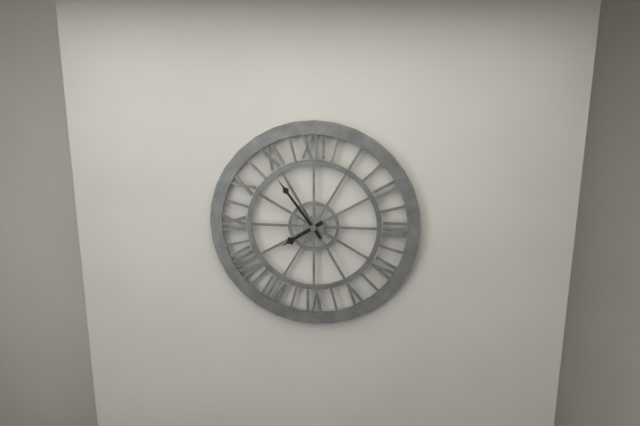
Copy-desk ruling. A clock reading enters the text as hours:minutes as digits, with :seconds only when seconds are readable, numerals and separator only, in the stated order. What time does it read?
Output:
7:54
